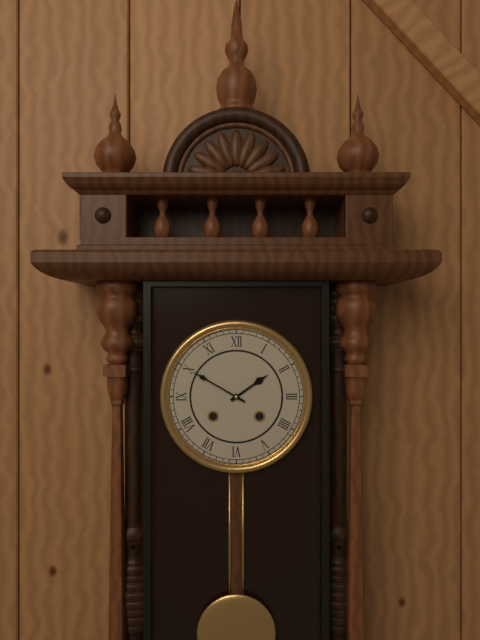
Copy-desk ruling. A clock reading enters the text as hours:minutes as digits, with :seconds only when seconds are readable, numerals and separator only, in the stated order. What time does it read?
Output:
1:50
